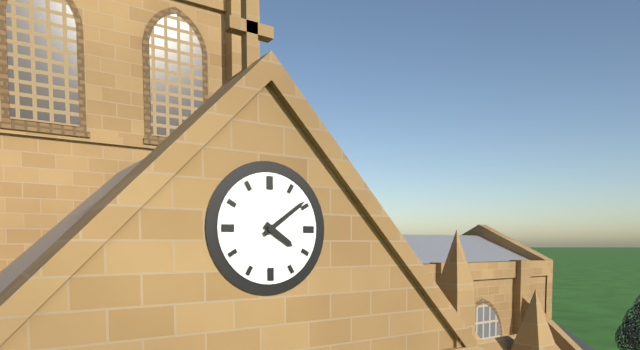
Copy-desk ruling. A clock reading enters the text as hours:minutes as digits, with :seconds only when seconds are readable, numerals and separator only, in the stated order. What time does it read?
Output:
4:09
